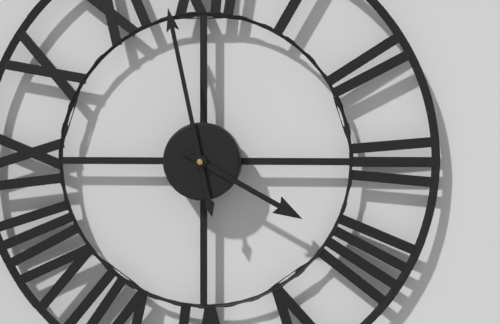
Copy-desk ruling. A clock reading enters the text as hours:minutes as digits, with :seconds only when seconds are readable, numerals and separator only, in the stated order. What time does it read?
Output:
3:58
